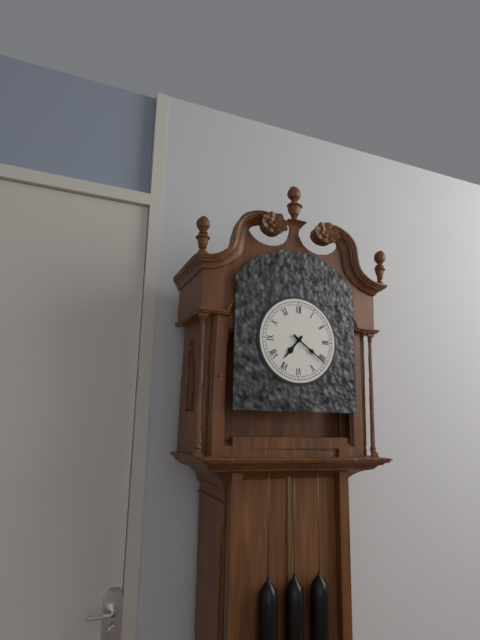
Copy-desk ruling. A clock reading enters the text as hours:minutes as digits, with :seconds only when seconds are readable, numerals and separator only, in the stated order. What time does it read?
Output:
7:21
